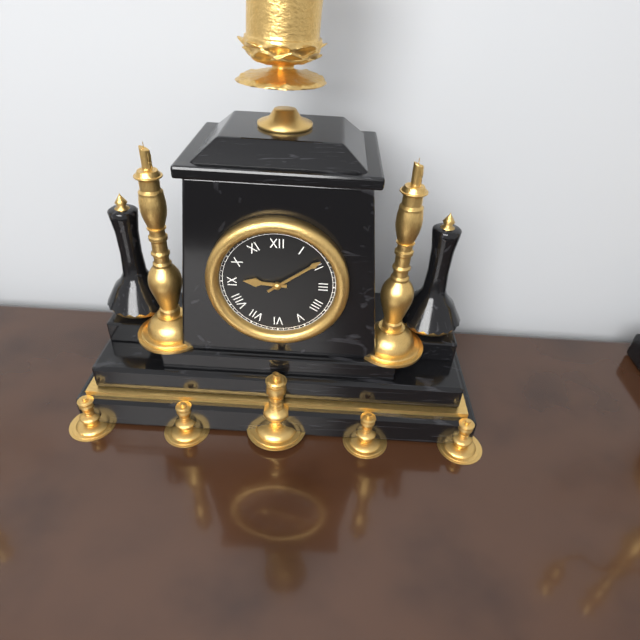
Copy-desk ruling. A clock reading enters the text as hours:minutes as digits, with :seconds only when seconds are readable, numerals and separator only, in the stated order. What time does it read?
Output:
9:09
